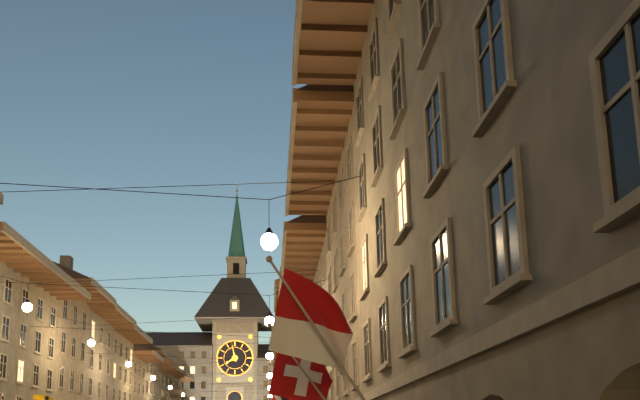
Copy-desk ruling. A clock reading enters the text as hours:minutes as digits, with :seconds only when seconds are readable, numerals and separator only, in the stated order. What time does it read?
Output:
7:58
